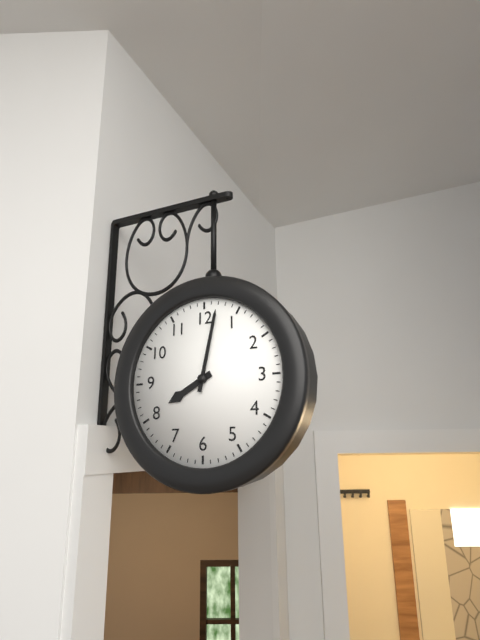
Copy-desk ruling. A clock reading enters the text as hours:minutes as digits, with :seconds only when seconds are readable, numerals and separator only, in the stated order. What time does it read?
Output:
8:02
